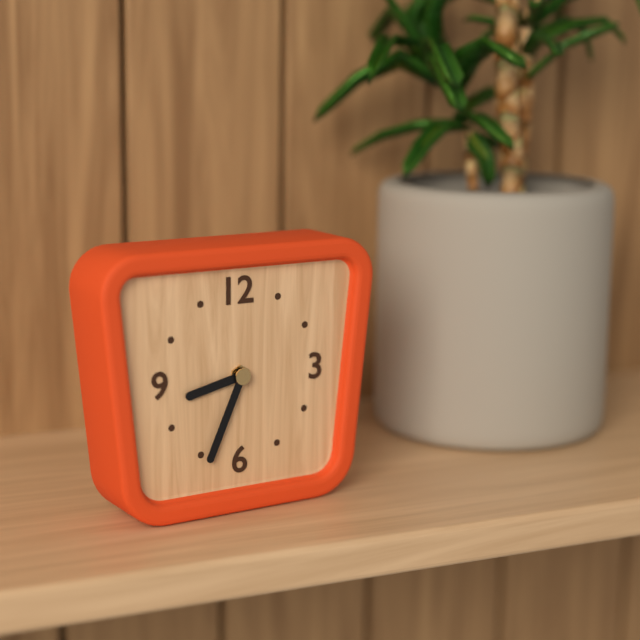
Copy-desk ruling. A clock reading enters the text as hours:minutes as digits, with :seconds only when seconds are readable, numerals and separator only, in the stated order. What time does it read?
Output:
8:34
